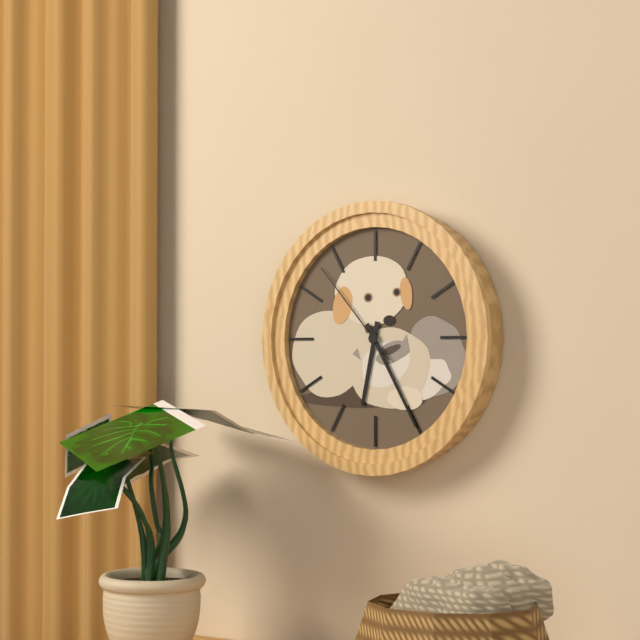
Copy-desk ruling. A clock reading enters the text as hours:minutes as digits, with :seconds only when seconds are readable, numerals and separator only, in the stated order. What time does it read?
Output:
6:25:53
